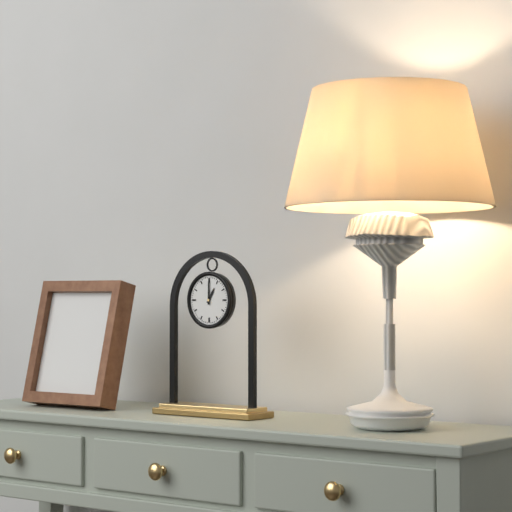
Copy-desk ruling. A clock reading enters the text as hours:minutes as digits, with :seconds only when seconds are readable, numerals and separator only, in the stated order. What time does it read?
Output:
1:00
